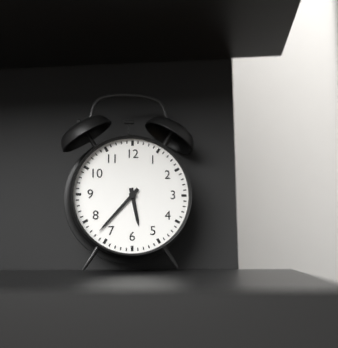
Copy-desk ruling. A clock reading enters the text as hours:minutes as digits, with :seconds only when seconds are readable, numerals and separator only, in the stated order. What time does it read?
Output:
5:37
